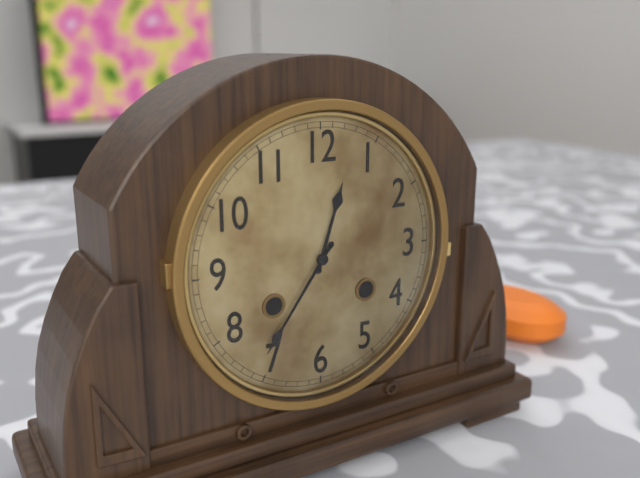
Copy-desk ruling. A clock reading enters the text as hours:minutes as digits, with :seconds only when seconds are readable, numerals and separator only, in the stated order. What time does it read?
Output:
12:36
